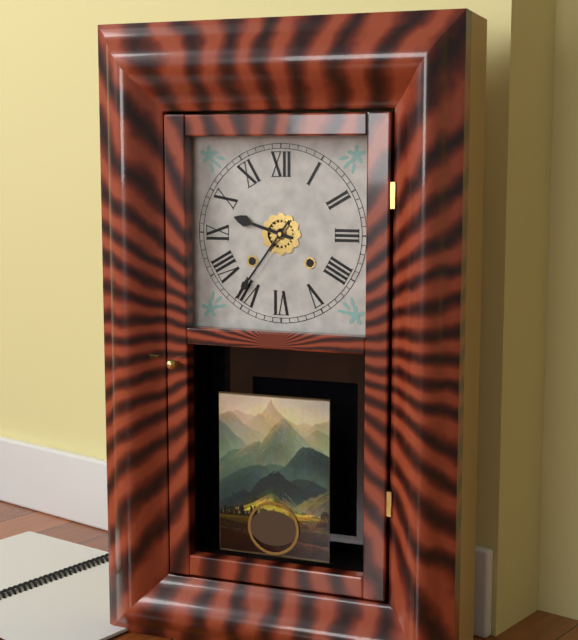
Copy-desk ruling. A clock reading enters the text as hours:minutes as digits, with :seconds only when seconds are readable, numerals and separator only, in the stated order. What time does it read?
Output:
9:36
